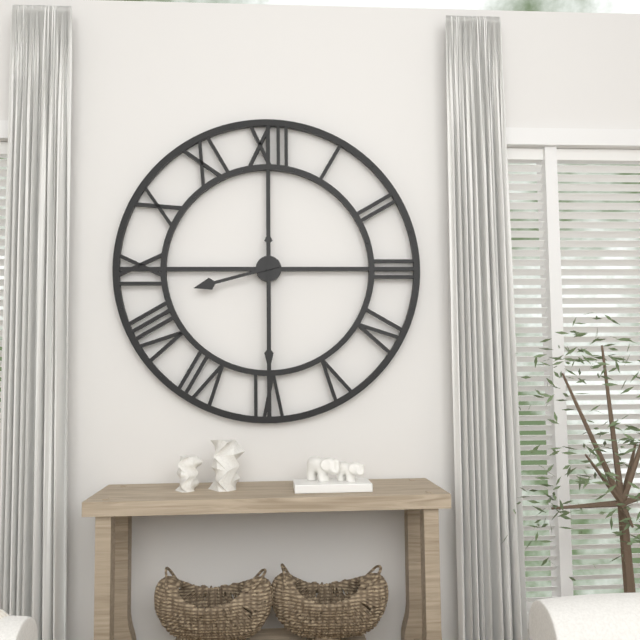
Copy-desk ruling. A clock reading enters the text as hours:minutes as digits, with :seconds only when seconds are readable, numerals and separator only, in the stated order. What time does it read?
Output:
8:30
